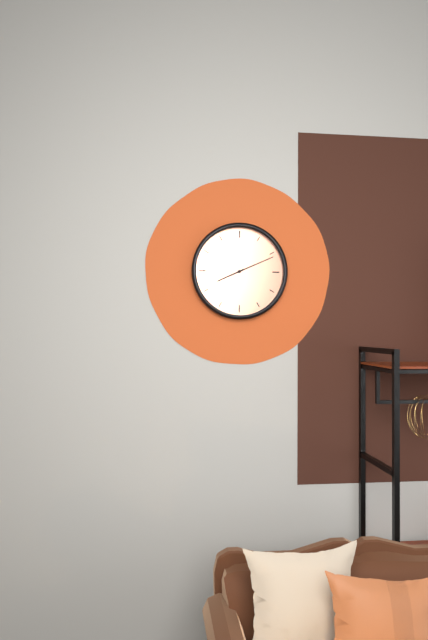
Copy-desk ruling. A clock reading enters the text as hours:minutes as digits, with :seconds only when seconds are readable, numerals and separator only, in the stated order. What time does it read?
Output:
8:11
